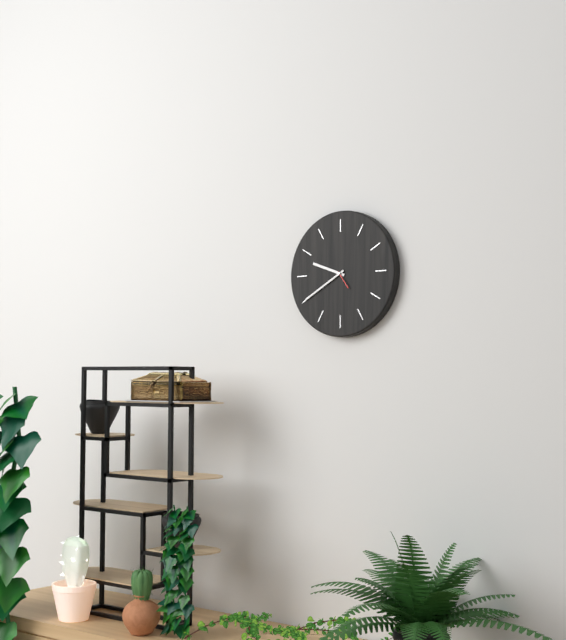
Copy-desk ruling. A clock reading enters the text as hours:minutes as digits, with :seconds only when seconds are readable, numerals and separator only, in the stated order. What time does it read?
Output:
9:40
